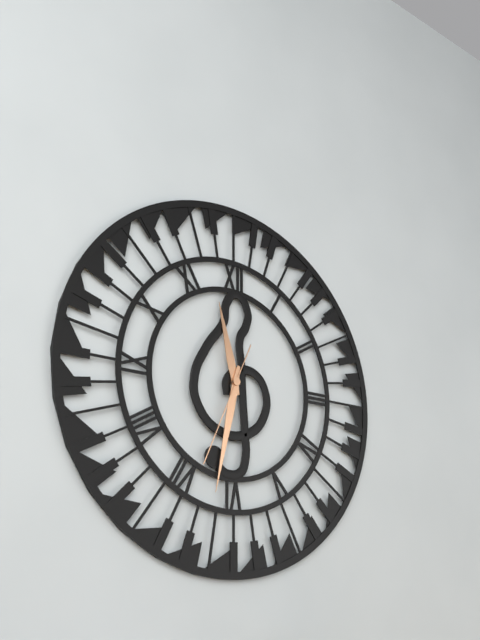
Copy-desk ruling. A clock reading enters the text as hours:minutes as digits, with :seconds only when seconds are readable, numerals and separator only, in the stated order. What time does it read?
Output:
11:32:34
